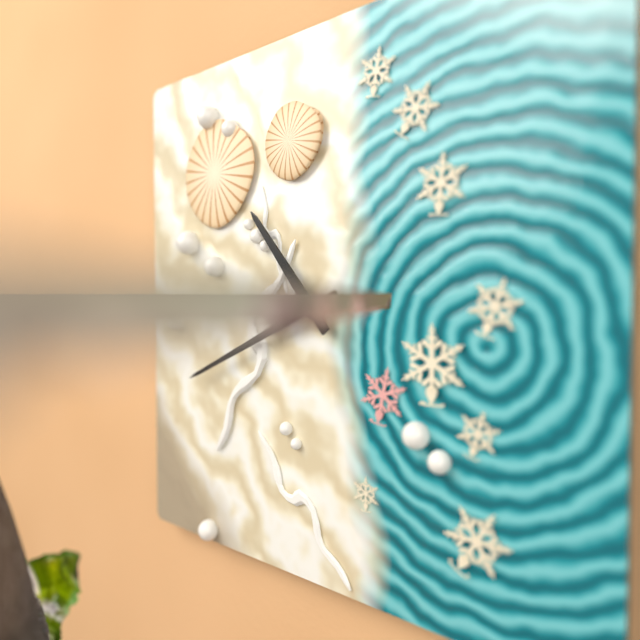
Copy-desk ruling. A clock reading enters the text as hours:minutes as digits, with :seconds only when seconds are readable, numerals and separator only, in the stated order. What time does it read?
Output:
10:41
